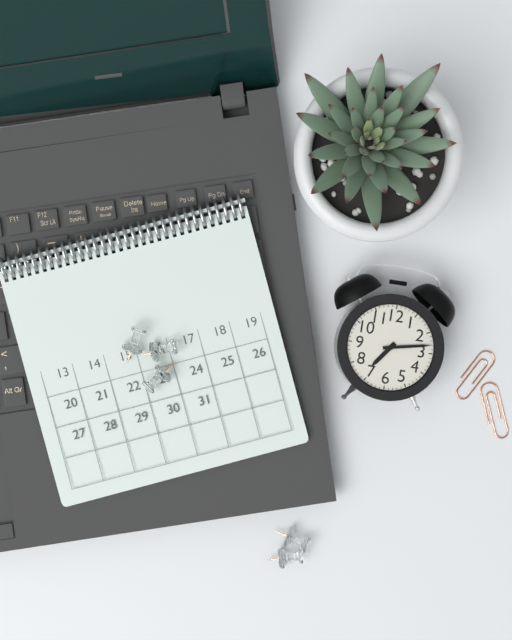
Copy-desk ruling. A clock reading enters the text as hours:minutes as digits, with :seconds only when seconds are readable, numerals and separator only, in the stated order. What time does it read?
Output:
7:13
